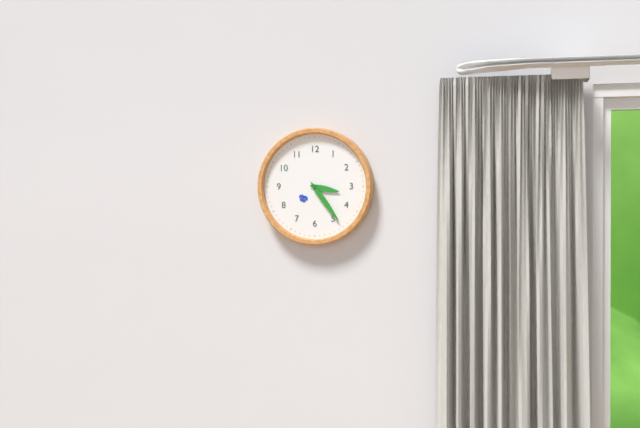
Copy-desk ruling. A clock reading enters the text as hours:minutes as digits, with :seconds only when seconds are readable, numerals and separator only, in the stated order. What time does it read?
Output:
3:24
